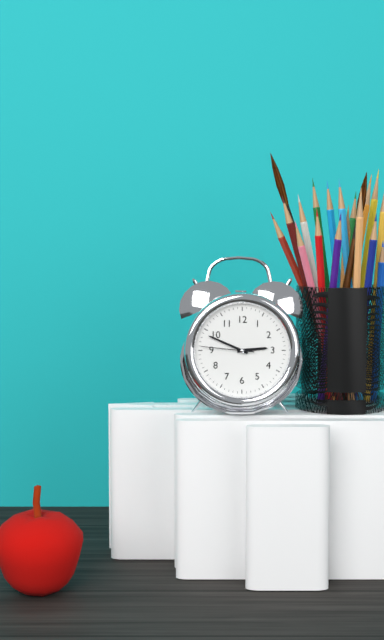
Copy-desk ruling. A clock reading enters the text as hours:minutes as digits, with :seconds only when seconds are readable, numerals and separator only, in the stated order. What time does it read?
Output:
2:49:46
